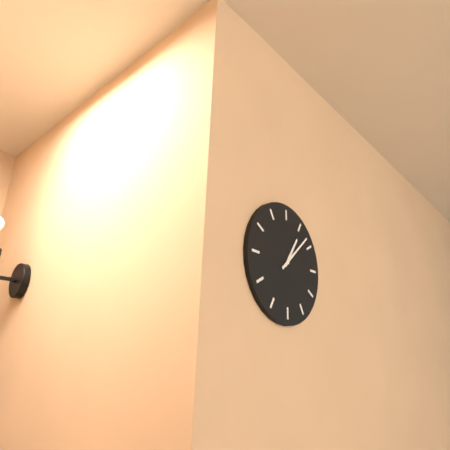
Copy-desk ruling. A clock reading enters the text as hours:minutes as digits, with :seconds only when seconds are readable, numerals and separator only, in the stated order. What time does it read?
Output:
1:08
